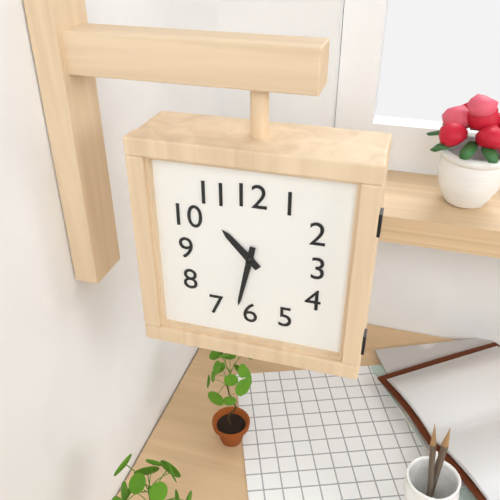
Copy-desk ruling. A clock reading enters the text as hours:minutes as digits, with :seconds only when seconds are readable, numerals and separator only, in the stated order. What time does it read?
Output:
10:32
